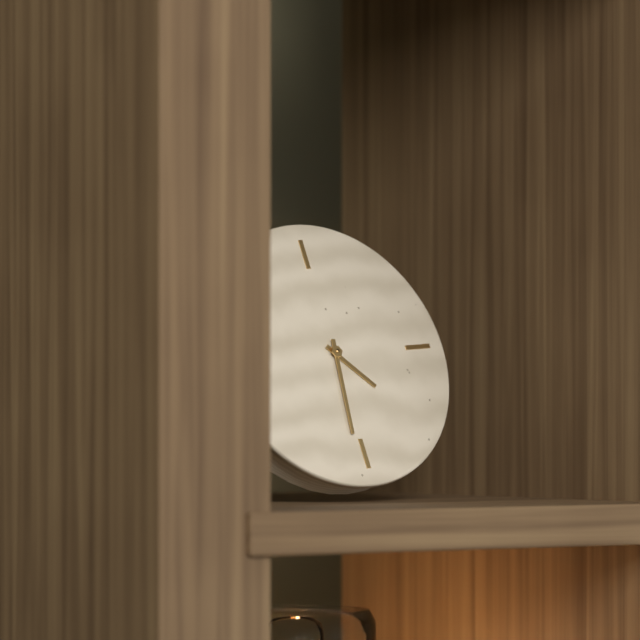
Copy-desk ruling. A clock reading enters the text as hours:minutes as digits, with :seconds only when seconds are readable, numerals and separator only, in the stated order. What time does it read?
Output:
4:31
